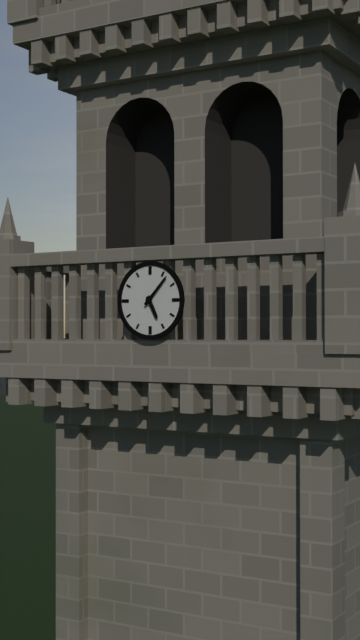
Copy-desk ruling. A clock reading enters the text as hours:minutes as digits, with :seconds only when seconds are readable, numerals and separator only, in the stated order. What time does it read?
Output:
5:07
